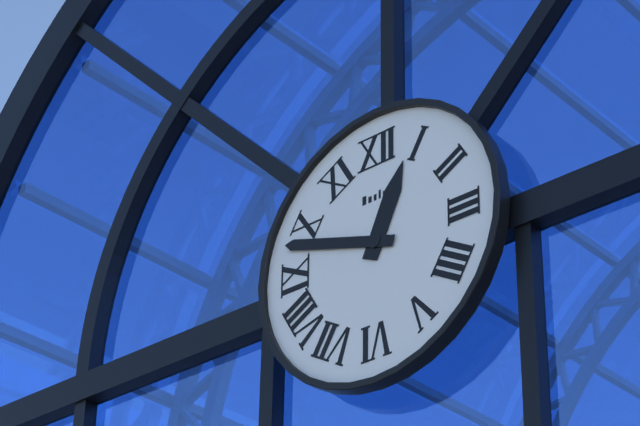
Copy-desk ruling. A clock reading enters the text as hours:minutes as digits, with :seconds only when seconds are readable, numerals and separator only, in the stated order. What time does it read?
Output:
12:48
